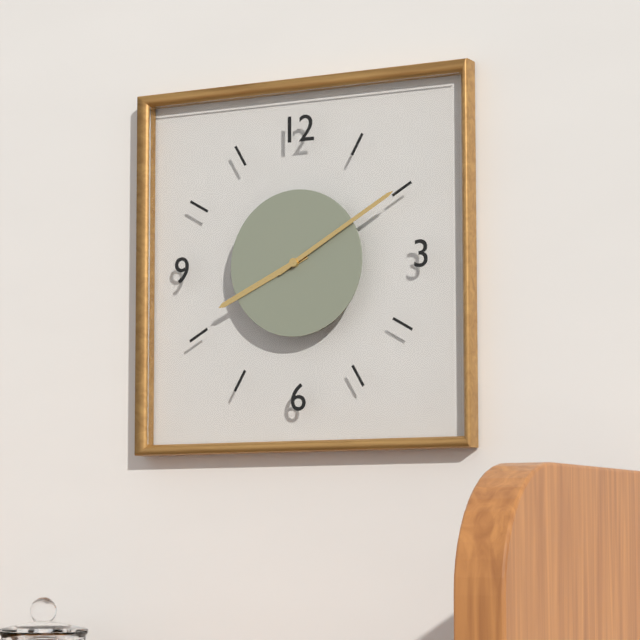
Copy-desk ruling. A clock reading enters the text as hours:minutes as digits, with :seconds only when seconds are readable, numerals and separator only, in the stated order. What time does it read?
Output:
8:10
